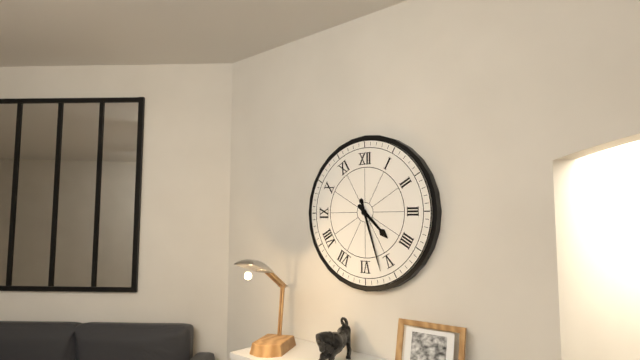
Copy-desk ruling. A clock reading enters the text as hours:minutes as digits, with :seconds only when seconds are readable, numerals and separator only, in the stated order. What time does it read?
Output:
4:27
